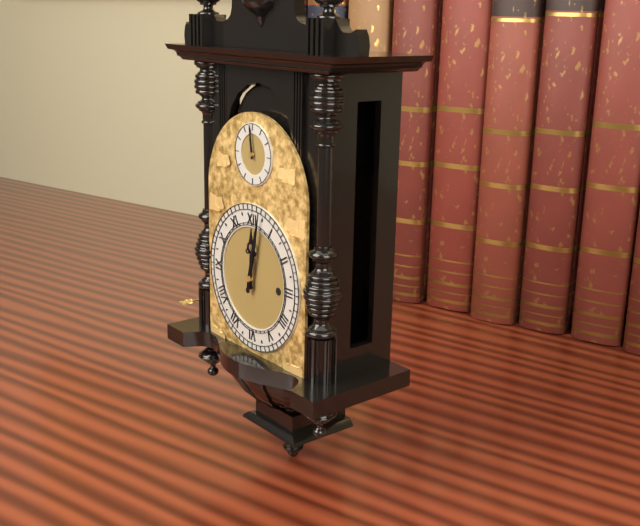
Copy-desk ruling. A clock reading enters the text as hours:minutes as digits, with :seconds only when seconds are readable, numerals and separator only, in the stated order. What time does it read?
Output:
12:02
